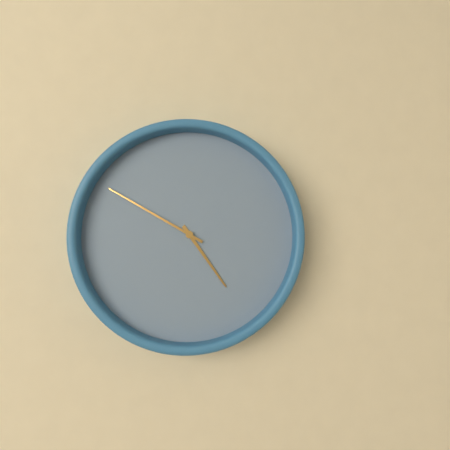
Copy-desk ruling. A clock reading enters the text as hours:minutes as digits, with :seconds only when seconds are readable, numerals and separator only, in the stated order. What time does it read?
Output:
4:50
